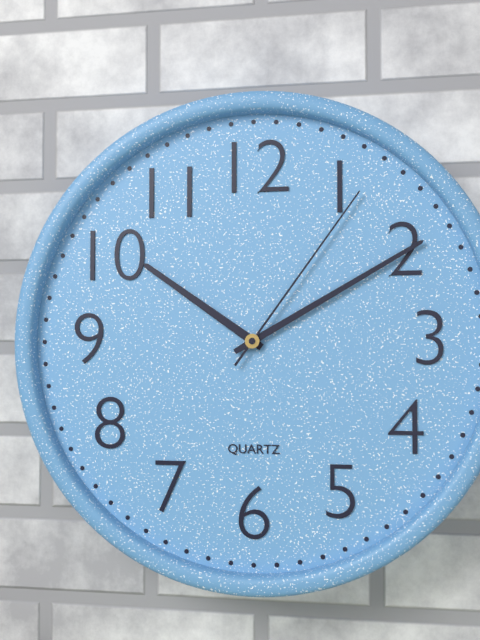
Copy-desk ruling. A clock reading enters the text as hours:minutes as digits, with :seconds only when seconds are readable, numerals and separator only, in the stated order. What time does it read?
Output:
10:10:06
